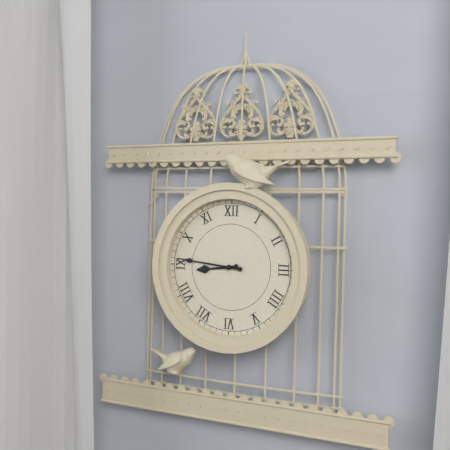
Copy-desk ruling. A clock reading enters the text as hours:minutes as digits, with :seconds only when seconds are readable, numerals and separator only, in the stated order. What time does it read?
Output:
8:46
